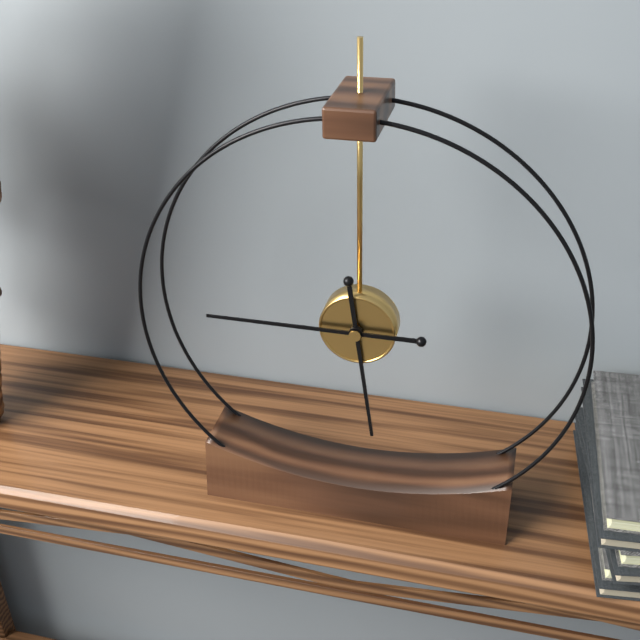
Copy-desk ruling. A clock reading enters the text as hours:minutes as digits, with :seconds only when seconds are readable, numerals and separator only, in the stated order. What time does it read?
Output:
5:45
